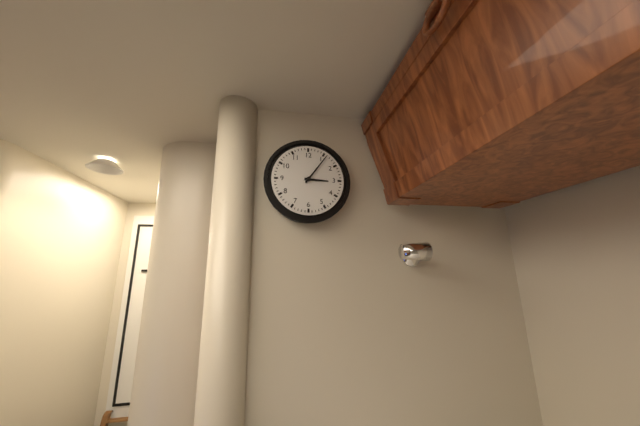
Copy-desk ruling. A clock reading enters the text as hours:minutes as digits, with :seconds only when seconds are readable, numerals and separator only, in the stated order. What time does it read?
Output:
3:06
